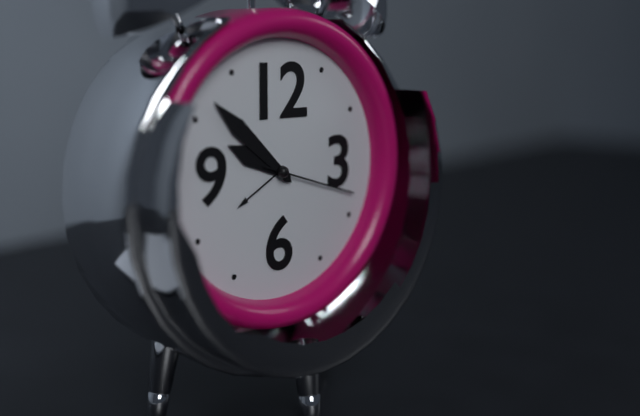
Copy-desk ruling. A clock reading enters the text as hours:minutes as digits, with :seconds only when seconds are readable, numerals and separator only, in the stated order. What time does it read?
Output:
9:52:18
